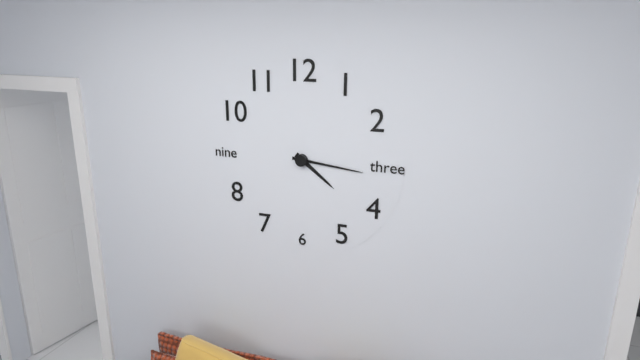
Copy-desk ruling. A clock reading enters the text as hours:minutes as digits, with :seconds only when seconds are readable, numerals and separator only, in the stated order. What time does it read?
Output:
4:16
